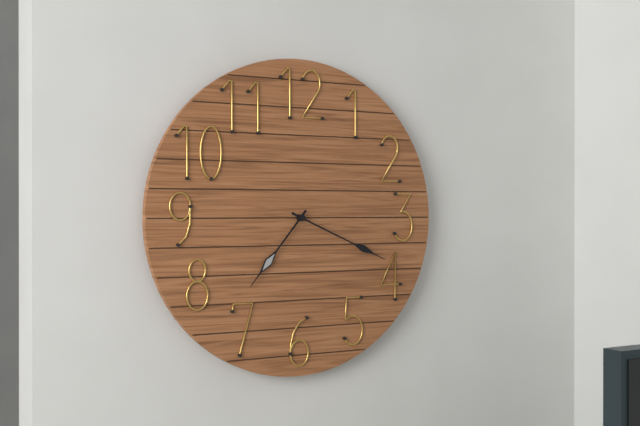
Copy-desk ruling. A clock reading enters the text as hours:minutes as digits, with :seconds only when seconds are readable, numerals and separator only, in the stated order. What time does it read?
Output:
7:19
